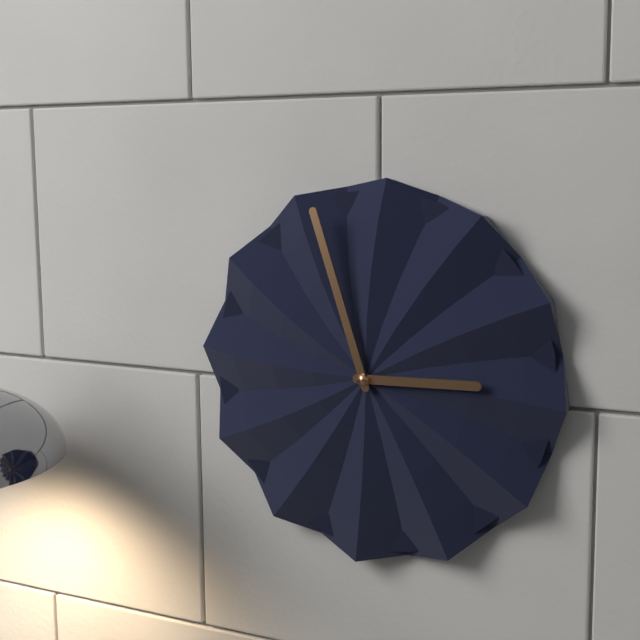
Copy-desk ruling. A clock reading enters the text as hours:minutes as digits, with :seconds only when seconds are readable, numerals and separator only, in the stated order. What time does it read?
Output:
2:57
